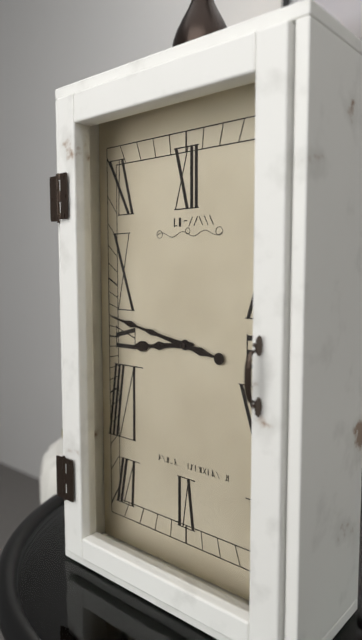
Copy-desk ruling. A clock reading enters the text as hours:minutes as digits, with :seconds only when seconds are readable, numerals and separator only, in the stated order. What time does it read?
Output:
8:47
